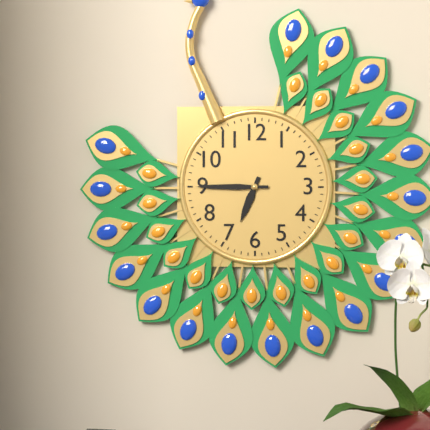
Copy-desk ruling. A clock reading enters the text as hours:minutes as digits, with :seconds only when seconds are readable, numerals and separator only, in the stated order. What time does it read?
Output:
6:45
